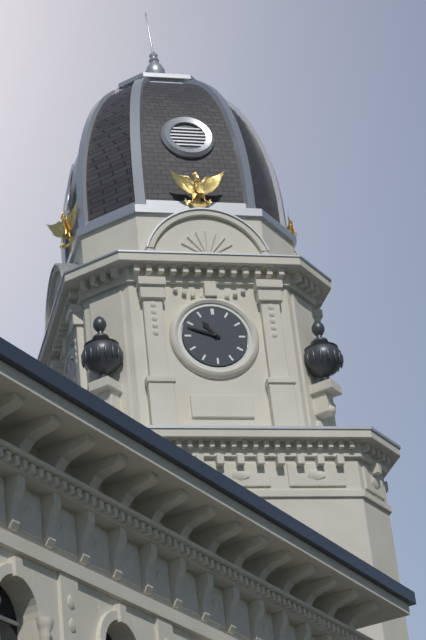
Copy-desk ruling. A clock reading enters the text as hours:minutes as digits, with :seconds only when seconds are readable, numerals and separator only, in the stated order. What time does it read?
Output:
10:48
